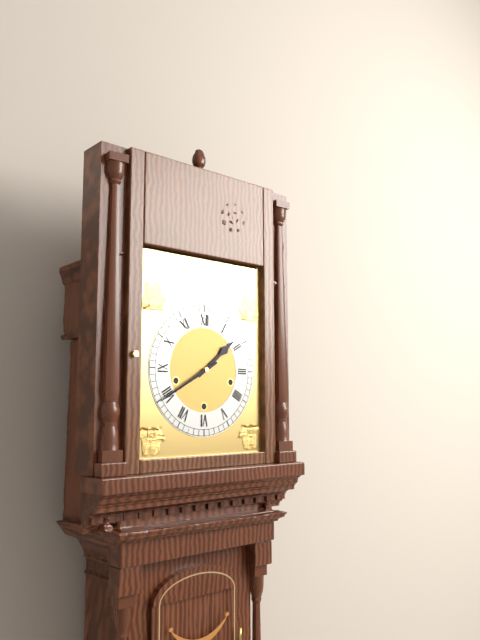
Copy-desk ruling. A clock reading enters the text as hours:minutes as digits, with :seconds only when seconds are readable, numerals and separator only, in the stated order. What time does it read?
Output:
1:40
